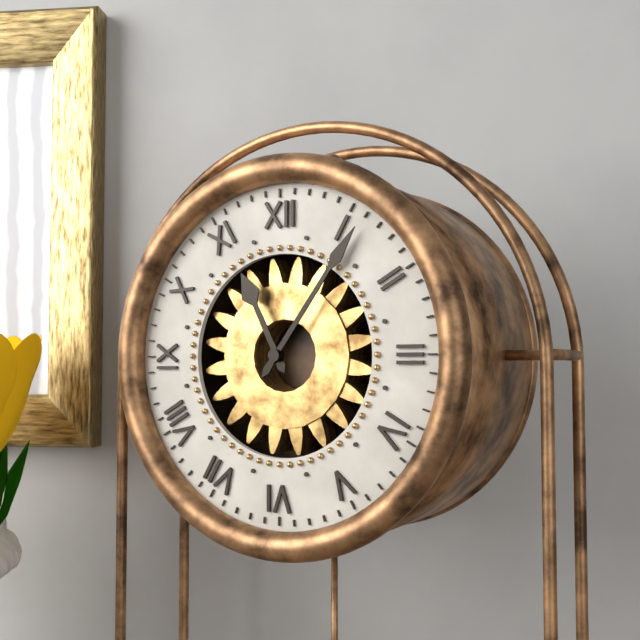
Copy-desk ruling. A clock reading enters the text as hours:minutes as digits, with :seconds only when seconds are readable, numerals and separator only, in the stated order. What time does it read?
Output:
11:06
